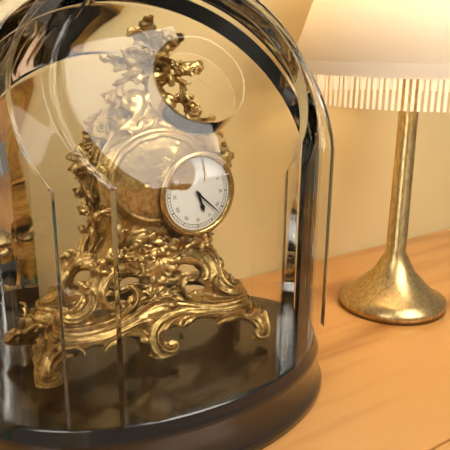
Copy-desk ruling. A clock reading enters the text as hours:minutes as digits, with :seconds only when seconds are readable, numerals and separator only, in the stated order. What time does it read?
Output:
5:22
